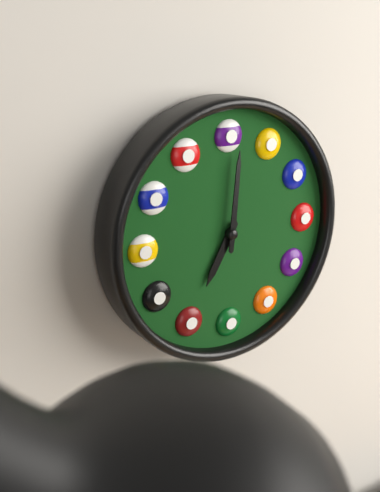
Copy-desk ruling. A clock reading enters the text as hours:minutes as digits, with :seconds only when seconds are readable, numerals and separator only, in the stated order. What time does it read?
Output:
7:01
